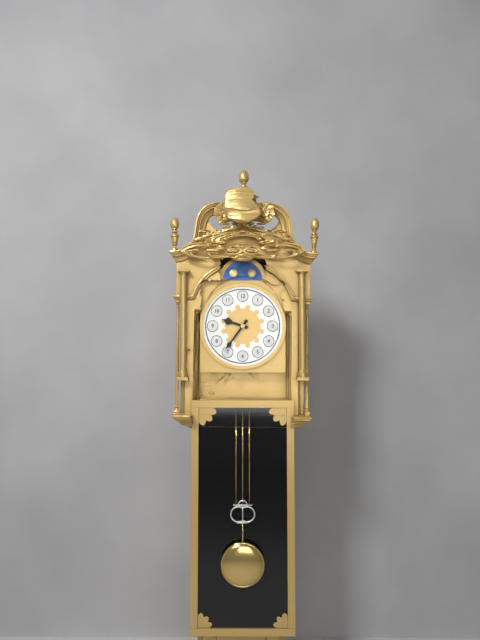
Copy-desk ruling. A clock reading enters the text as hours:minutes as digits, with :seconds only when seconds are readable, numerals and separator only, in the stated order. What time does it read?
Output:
9:36
